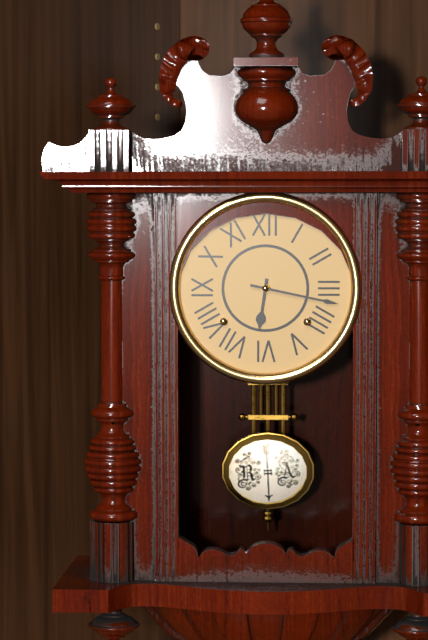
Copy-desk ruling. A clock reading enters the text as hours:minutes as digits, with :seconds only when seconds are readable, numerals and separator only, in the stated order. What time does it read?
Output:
6:17
